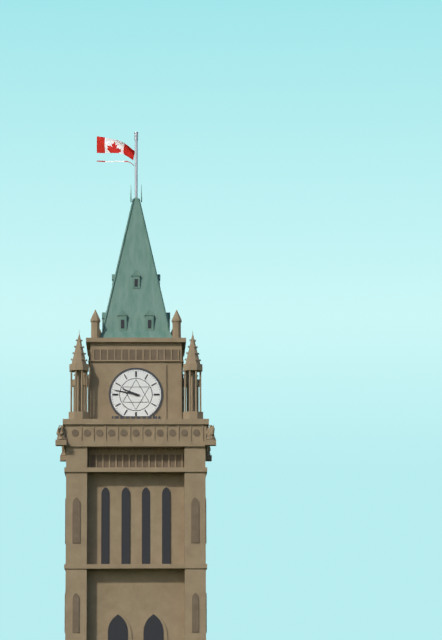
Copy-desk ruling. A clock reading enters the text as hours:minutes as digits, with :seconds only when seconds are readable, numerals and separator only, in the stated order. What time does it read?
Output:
9:47
